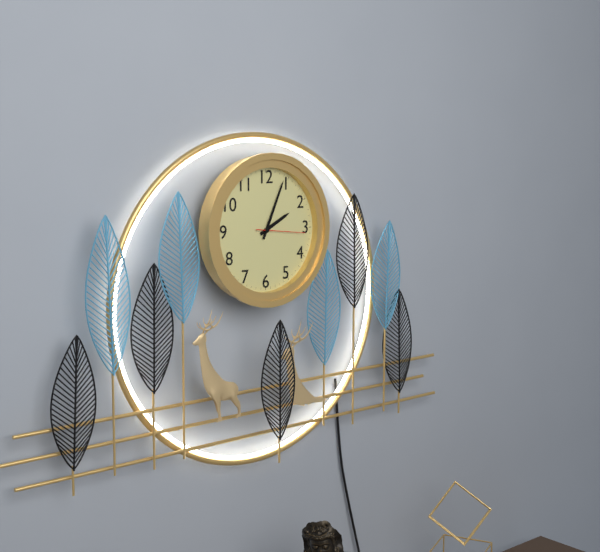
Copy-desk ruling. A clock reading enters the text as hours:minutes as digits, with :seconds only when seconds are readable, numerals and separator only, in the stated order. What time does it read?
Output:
2:04
